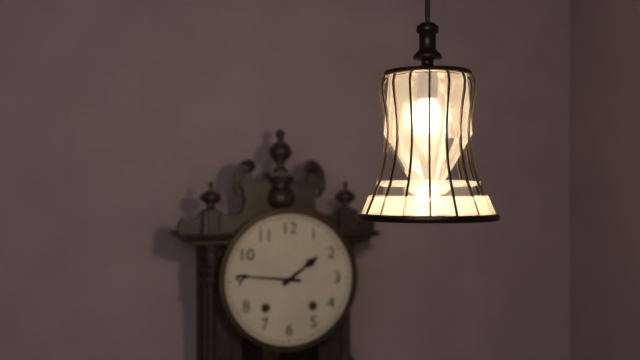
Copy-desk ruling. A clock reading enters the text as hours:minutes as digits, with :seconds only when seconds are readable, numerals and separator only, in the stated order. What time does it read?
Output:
1:46
